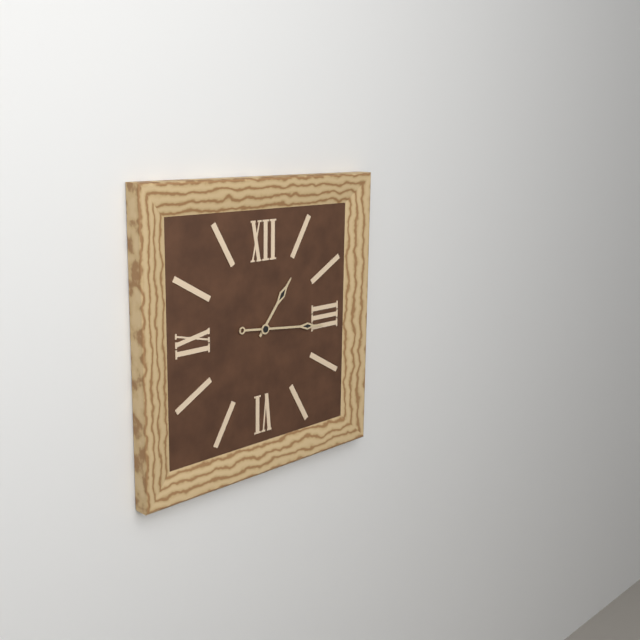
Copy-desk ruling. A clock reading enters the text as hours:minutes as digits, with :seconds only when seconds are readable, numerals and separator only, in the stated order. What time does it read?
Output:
1:16
